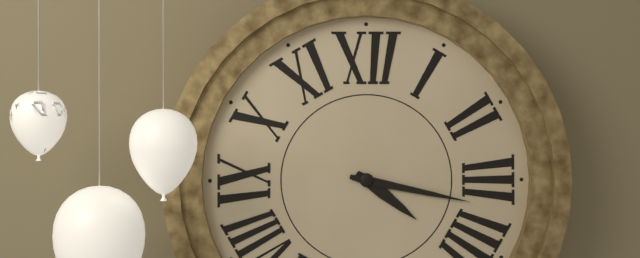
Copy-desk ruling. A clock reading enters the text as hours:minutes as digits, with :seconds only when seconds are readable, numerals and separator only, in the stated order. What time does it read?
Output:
4:17
